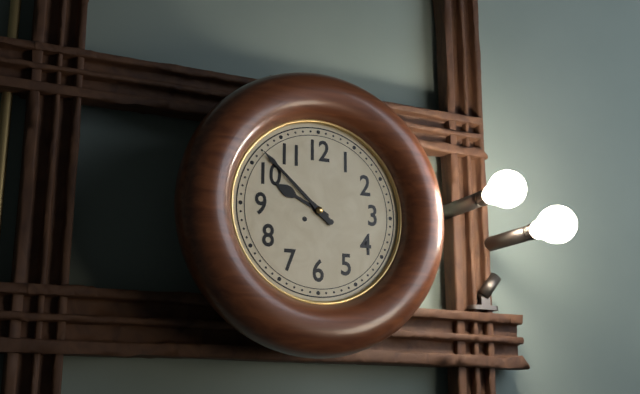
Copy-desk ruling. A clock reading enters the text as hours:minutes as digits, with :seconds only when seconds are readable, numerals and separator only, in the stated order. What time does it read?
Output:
9:52
